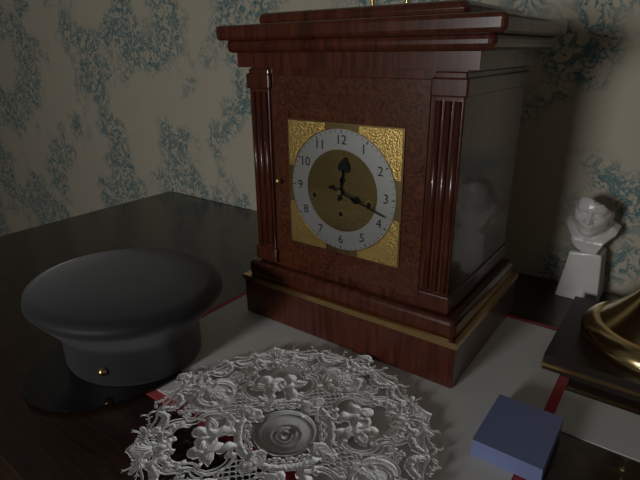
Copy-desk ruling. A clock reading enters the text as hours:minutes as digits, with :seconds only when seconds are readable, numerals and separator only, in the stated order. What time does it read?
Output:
12:18
